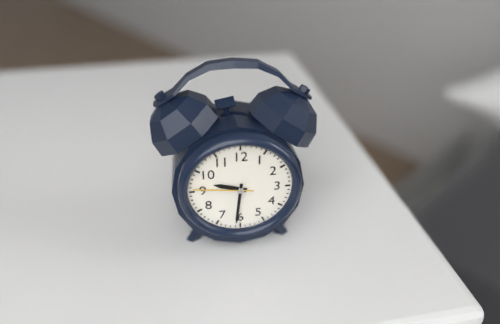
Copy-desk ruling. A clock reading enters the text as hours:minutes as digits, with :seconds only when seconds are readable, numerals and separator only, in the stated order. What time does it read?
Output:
9:31:46
